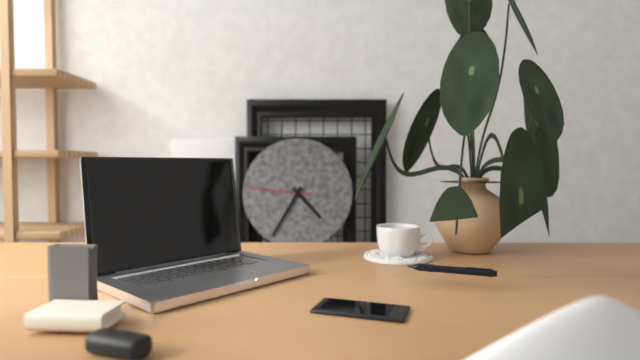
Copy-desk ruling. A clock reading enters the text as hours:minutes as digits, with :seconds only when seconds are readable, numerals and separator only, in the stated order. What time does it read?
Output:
4:35:46
